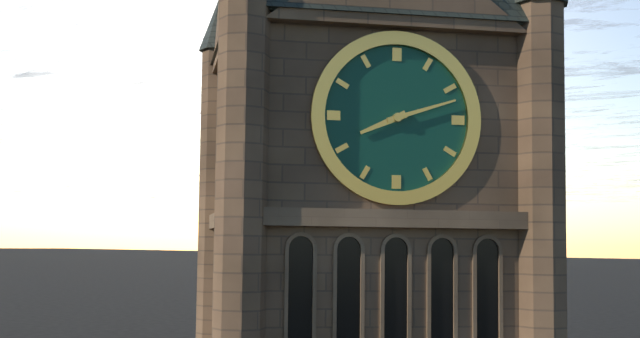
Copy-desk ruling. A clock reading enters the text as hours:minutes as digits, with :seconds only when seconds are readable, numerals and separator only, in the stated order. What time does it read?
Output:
8:12
